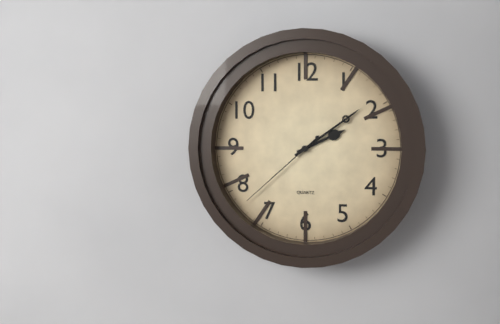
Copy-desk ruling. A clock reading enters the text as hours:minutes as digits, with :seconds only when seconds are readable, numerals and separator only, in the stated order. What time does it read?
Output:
2:09:38
